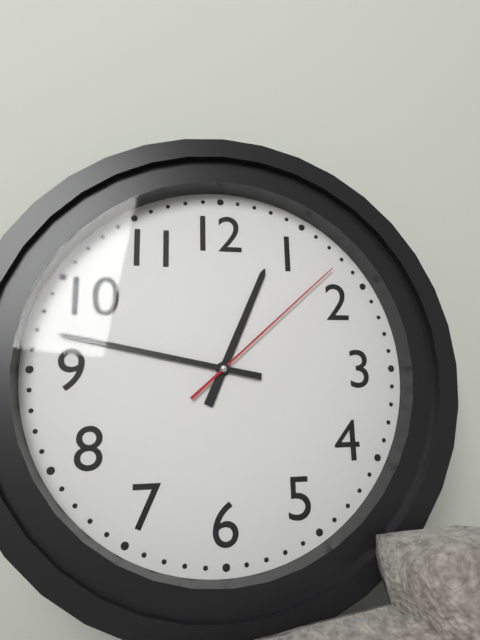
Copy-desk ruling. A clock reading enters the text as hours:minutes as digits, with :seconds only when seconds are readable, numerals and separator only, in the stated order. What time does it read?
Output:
12:47:08
